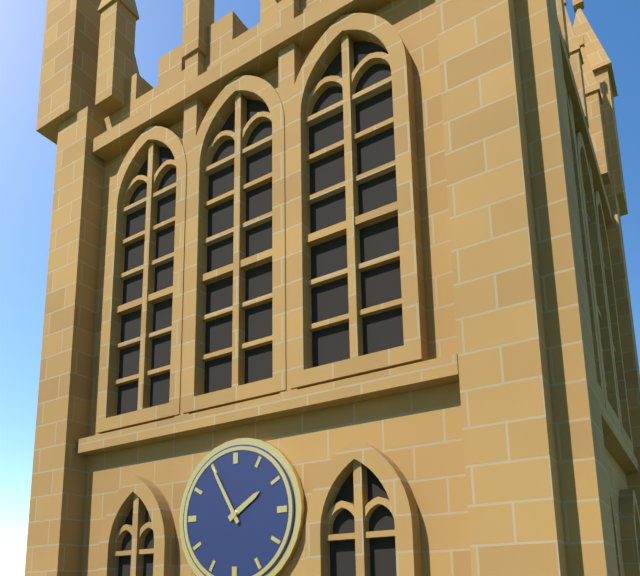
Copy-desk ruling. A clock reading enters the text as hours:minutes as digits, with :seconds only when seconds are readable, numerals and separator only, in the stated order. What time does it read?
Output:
1:55
